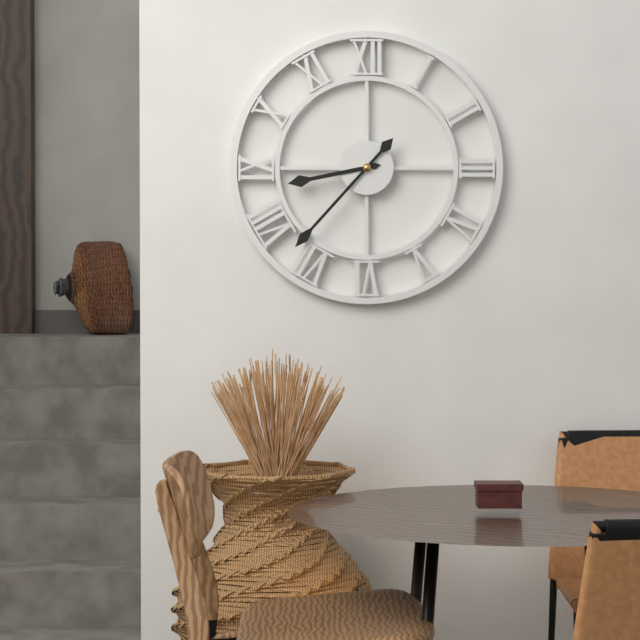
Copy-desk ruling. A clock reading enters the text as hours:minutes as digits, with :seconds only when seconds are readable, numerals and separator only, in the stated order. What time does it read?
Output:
8:37
